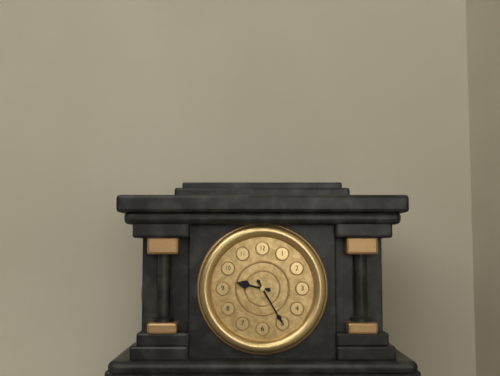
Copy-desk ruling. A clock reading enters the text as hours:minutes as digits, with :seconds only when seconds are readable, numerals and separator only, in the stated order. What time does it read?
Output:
9:25
